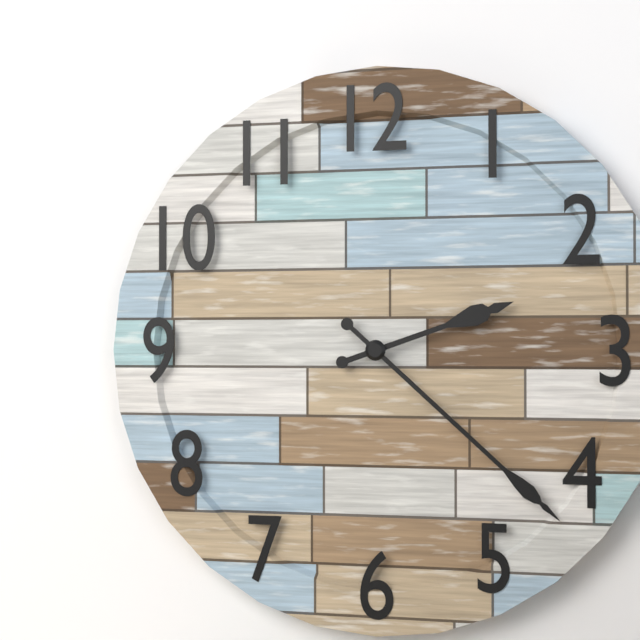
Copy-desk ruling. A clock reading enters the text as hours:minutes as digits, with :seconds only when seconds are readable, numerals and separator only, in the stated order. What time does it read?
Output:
2:22
